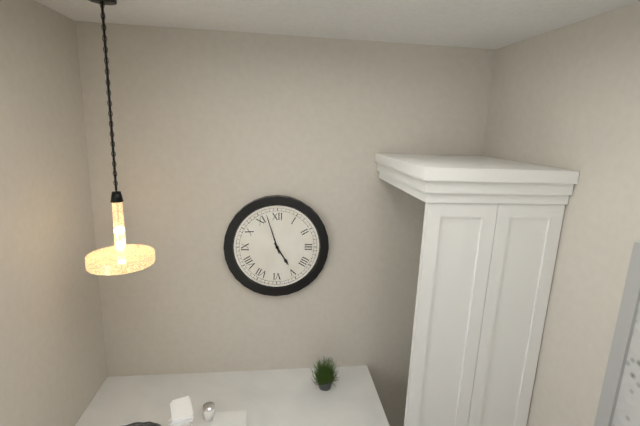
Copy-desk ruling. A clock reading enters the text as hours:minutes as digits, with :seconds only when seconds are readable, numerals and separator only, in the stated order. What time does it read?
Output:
4:57
